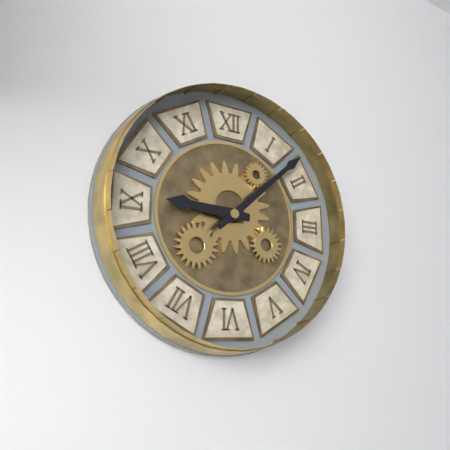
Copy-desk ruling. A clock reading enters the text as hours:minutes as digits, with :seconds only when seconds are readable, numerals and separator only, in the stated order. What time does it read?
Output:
9:08
